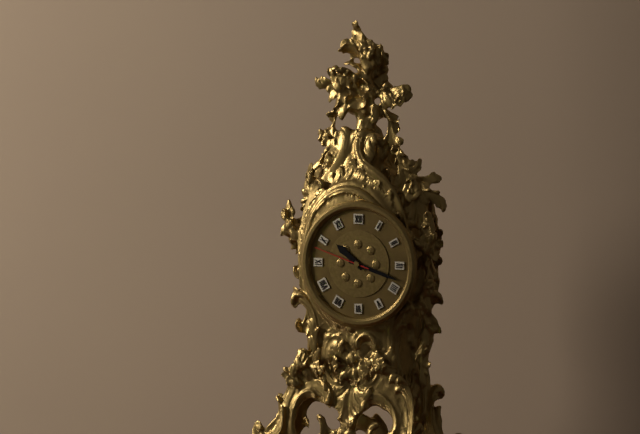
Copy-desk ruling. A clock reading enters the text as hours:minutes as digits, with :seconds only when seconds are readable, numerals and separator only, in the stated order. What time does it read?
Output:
10:18:48
